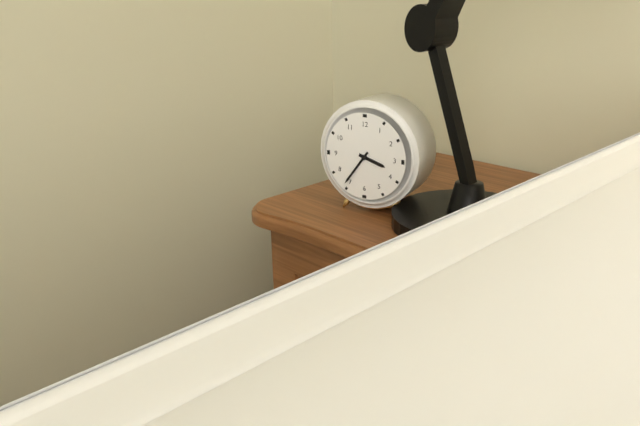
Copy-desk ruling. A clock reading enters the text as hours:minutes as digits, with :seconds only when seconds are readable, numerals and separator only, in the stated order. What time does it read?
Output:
3:36
